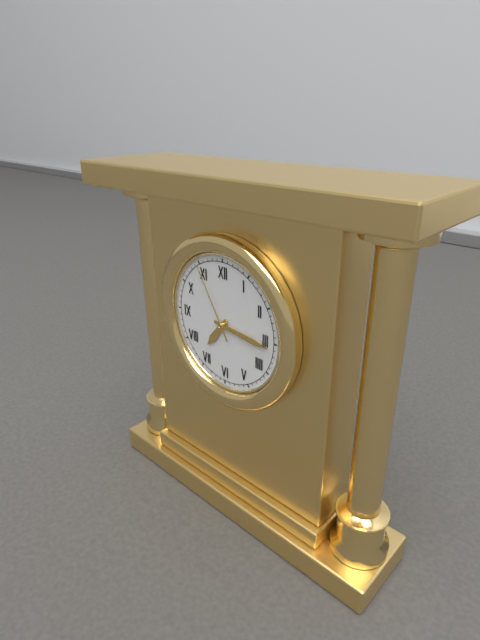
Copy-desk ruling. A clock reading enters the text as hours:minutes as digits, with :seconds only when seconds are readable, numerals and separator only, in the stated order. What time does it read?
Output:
7:16:55
